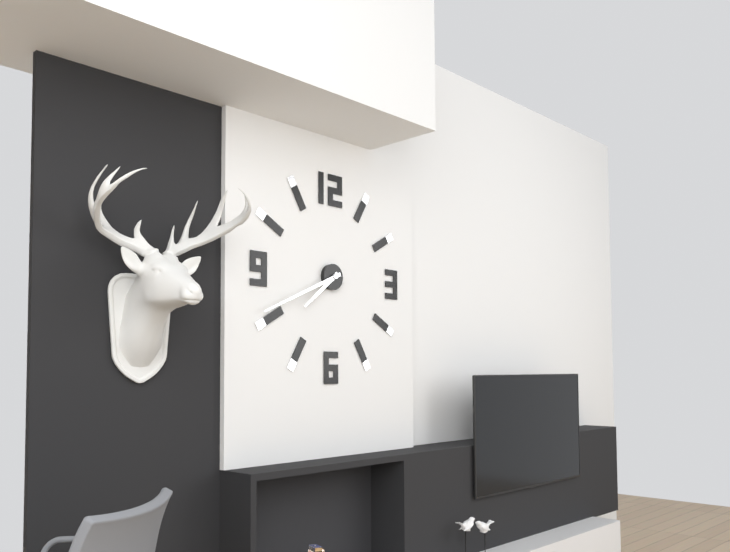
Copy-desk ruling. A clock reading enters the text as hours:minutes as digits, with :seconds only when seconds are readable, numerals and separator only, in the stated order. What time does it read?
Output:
7:41
